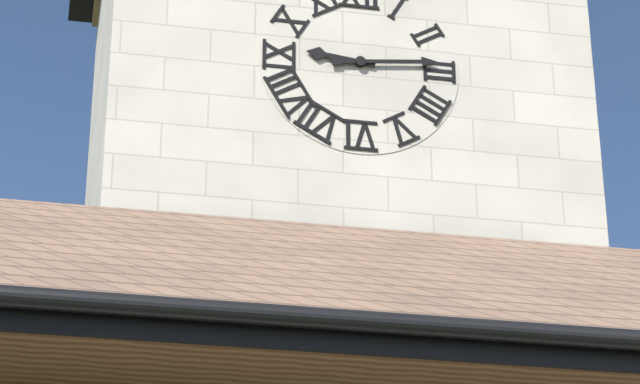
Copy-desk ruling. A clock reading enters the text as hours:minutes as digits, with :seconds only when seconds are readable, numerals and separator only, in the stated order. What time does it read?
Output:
9:14
